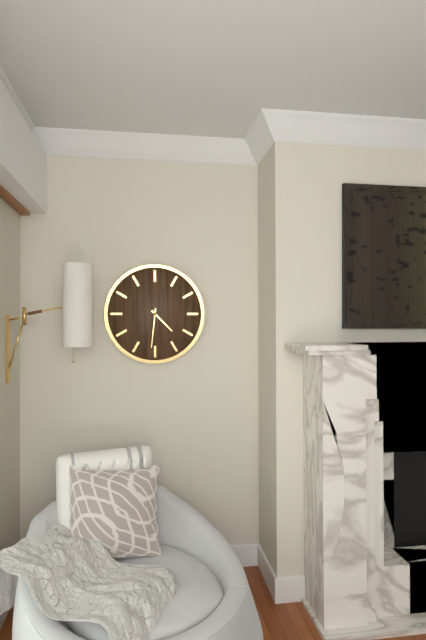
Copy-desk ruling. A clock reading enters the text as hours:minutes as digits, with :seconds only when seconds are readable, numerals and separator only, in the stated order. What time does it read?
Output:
4:31
